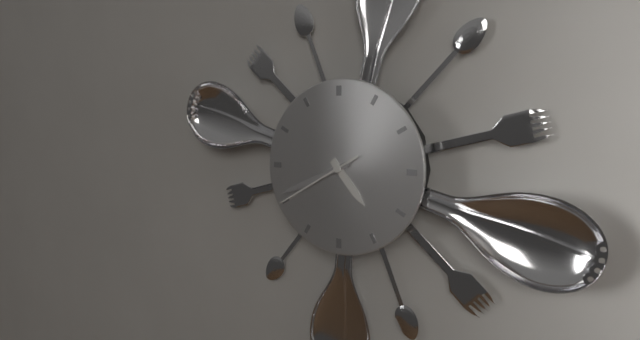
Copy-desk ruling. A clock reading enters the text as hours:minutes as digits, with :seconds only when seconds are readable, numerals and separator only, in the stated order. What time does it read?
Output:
4:41:40
